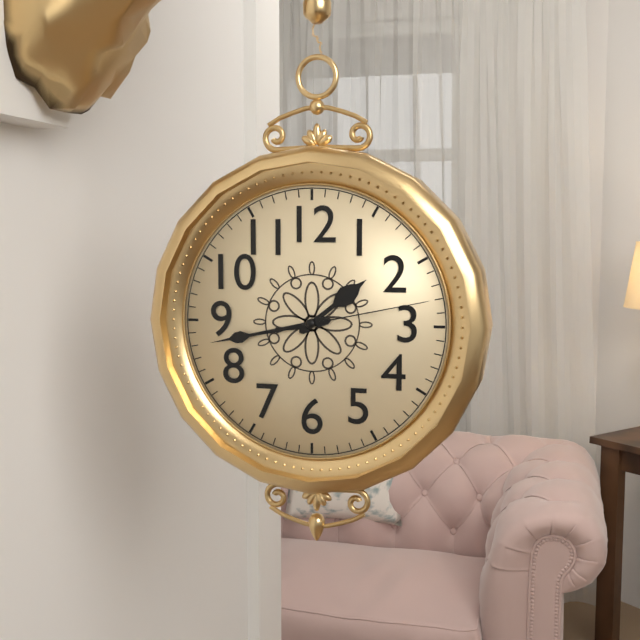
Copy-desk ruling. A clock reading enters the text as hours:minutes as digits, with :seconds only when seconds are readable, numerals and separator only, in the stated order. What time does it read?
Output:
1:43:13
